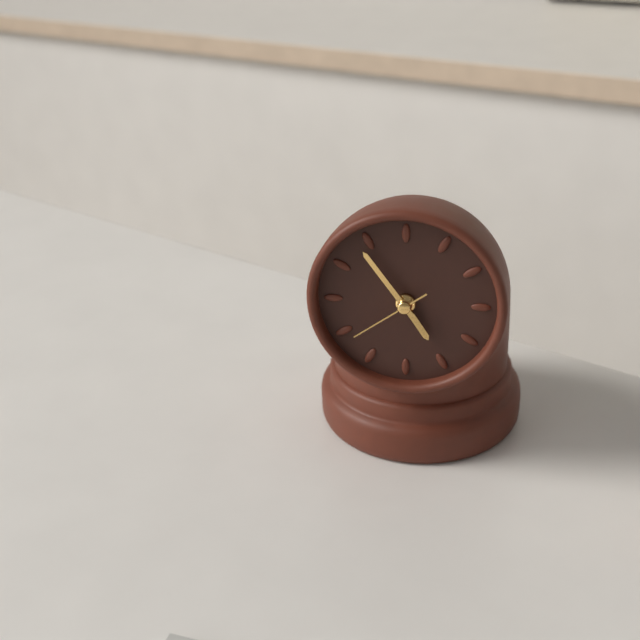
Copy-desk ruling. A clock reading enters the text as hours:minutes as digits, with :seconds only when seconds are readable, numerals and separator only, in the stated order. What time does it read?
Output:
4:54:39
